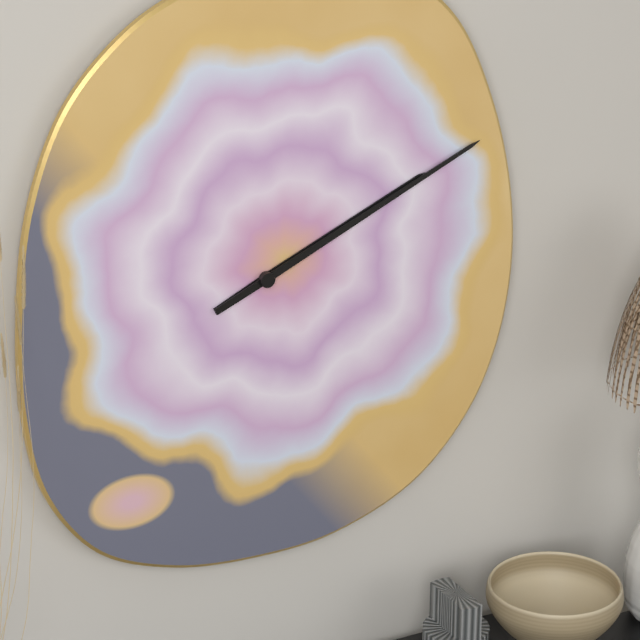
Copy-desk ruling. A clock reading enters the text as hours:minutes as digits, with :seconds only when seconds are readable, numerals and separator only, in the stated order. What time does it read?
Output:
2:11
